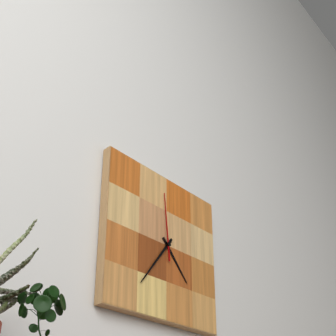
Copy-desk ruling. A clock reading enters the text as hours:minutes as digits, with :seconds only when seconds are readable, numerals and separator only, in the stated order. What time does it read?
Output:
4:36:59
